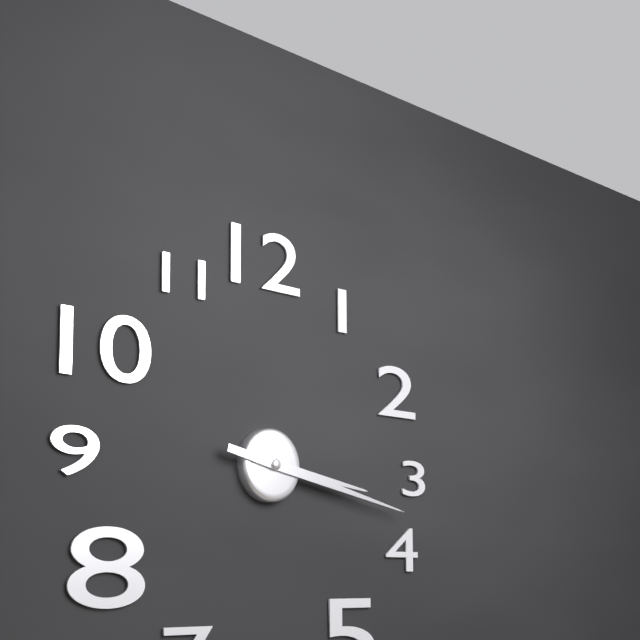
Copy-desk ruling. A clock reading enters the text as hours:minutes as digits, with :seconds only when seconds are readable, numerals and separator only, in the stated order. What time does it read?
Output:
3:17
